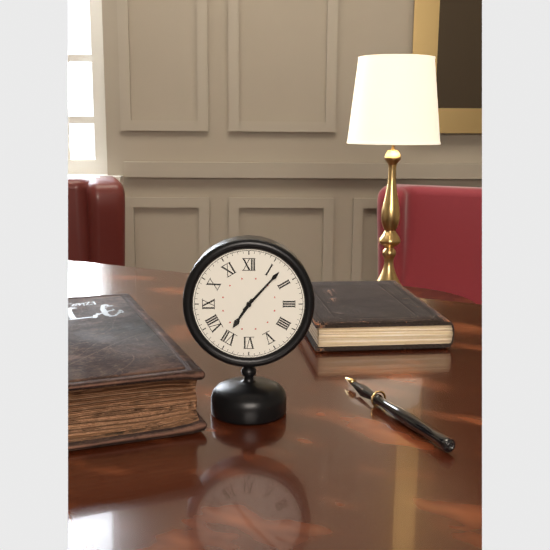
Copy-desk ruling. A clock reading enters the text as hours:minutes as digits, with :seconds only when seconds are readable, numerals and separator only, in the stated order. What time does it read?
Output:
7:07
